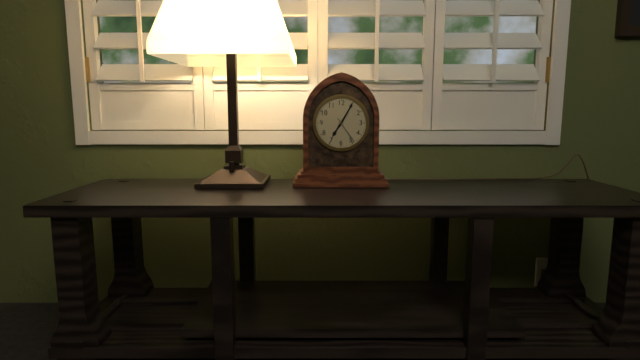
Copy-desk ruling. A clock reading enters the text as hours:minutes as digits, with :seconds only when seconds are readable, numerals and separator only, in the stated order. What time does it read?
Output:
7:05
